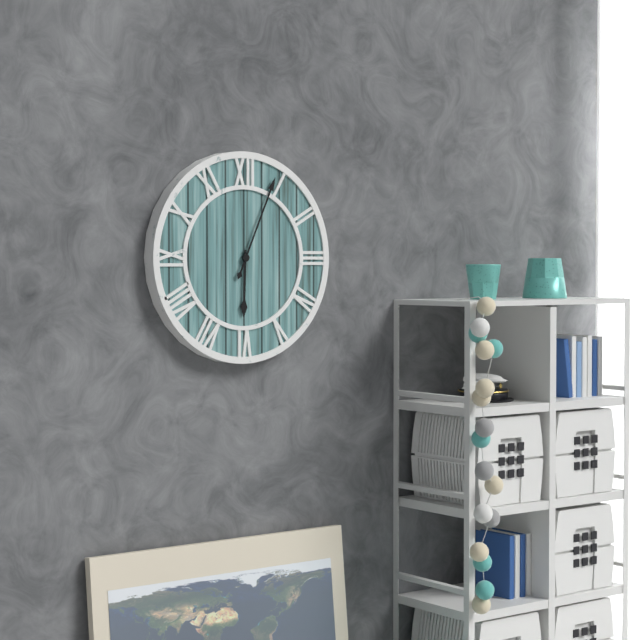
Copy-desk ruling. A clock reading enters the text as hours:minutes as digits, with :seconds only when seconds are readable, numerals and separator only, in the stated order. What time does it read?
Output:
6:04
